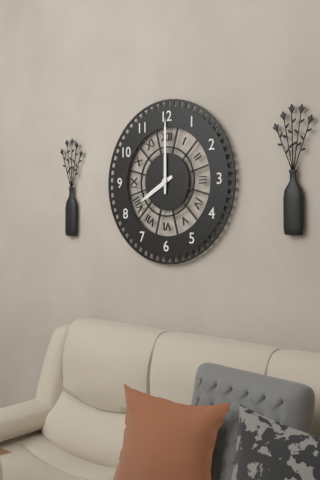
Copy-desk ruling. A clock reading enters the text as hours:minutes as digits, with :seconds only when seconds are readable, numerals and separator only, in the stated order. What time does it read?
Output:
8:00
